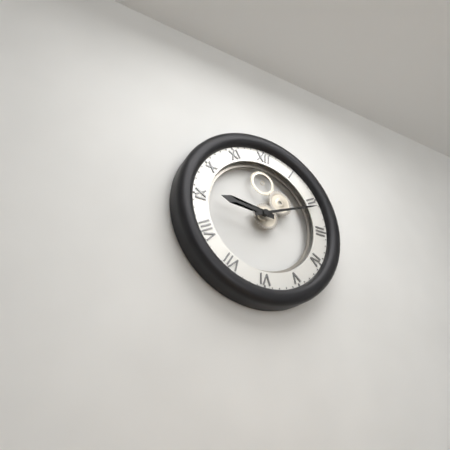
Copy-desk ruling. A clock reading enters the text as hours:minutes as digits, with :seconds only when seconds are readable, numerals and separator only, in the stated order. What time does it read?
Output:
9:11
